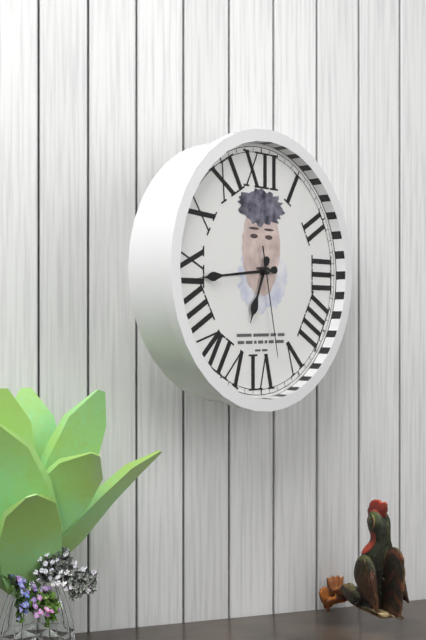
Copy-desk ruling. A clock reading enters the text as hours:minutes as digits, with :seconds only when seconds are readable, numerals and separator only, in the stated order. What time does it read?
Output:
6:44:28
